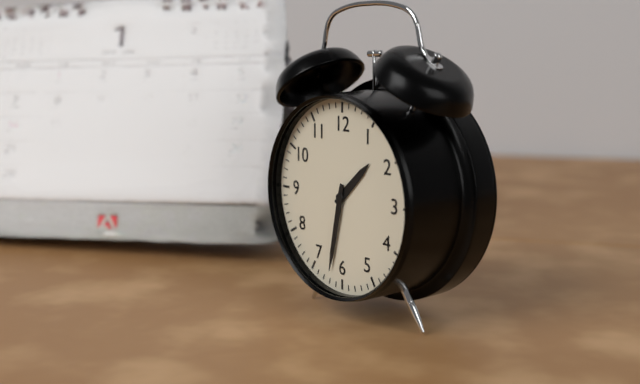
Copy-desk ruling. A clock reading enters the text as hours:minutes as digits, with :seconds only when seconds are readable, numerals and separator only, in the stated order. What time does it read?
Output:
1:32
